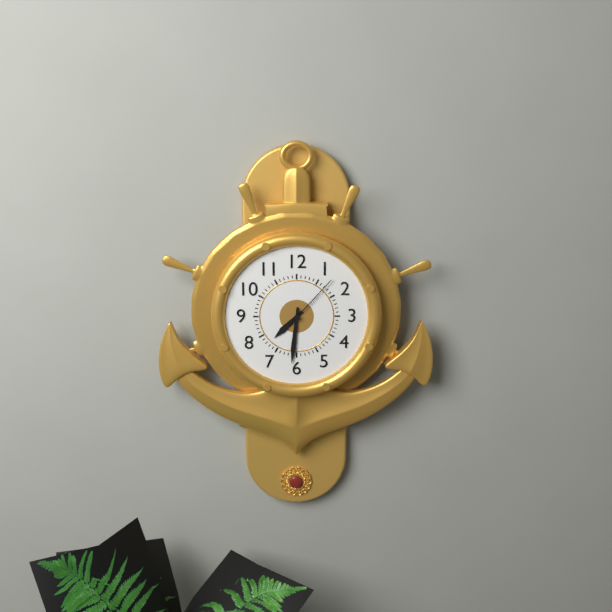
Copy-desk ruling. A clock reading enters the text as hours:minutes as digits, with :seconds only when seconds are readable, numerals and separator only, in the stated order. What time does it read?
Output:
7:31:07
